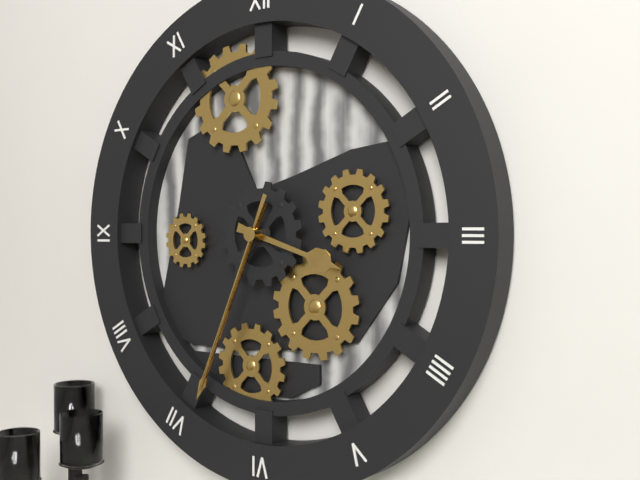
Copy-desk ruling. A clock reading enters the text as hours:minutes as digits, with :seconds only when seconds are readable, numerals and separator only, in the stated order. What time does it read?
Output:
3:34:34
